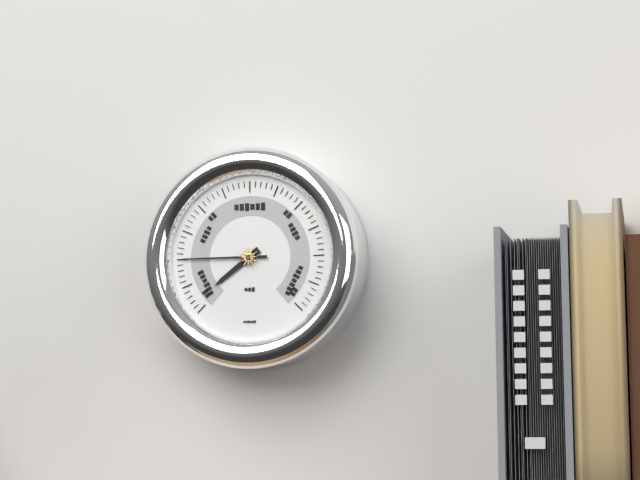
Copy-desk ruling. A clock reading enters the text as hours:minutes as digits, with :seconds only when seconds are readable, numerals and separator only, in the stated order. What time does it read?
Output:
7:45
